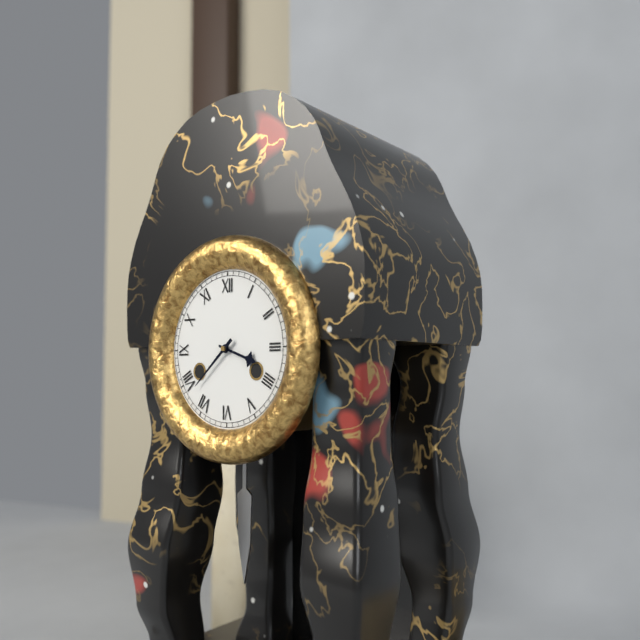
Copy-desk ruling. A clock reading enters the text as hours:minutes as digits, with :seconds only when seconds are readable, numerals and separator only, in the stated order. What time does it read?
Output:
3:38
